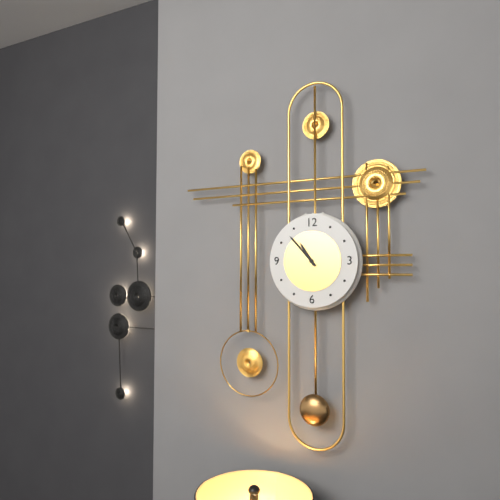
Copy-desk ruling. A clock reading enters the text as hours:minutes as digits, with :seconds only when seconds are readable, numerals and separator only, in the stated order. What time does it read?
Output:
10:53
